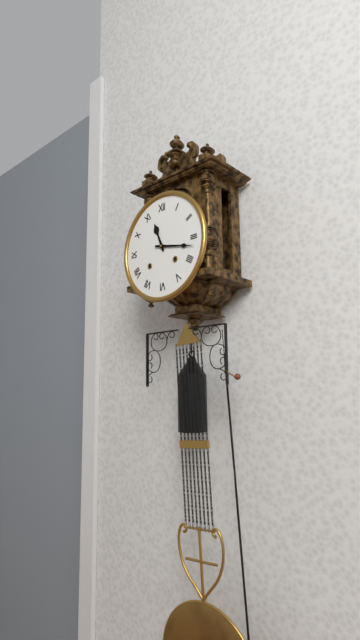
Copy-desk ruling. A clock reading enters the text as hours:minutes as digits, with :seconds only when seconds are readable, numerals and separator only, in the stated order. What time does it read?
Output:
11:17
